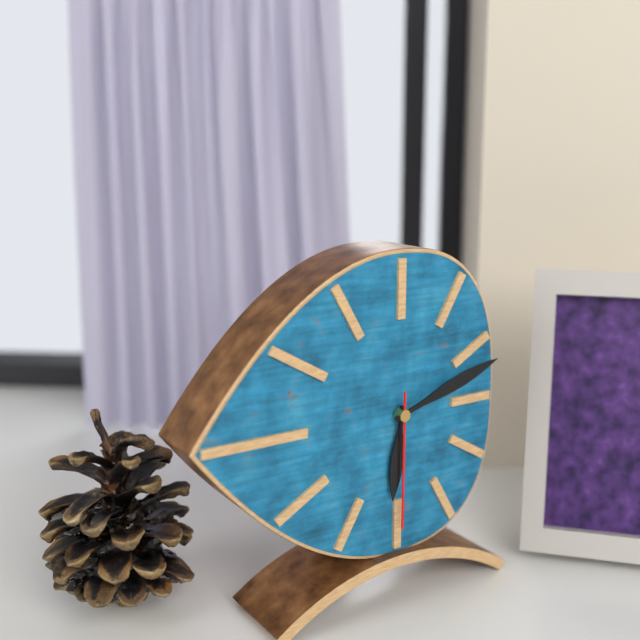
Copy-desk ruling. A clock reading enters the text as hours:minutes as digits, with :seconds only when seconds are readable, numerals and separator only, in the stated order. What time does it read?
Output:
6:12:30
